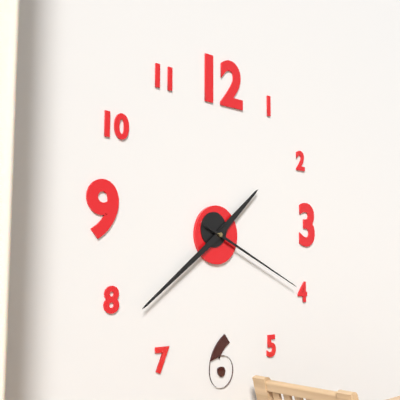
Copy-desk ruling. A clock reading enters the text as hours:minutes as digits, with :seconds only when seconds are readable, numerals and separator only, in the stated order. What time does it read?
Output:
1:39:19
